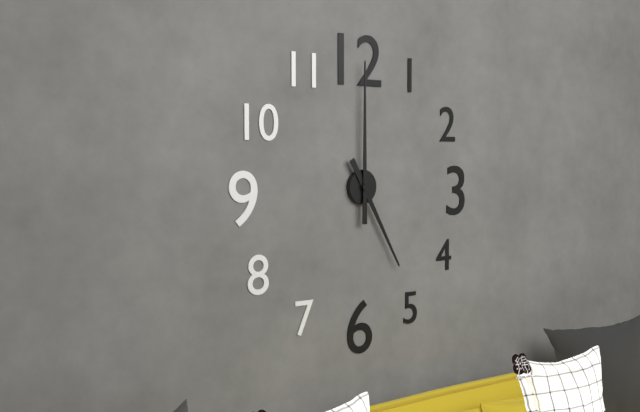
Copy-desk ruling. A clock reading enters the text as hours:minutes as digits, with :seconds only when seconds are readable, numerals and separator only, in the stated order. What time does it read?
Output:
5:00
